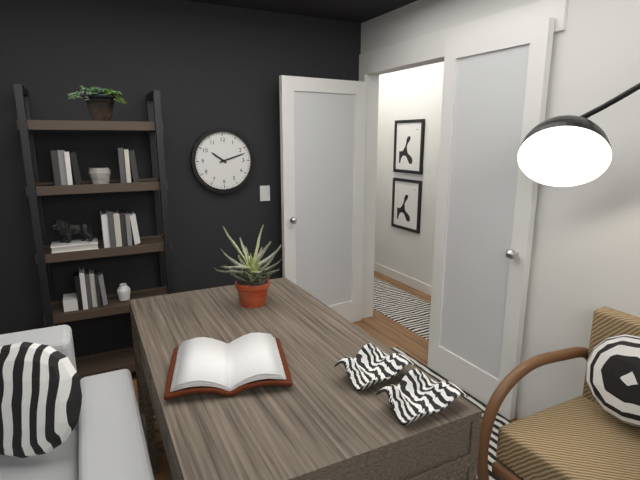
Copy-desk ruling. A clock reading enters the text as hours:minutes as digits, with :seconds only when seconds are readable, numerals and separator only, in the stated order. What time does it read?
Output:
10:12
